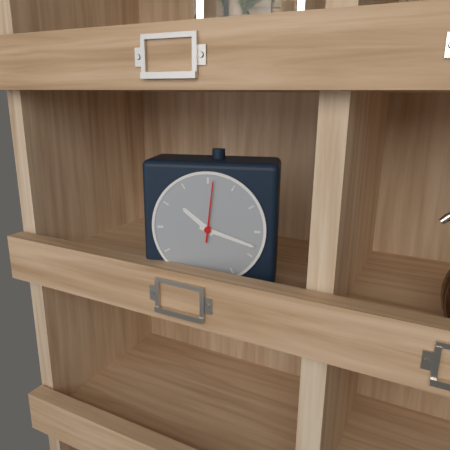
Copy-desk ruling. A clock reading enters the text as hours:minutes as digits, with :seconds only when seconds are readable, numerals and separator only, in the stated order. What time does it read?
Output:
10:18:01
